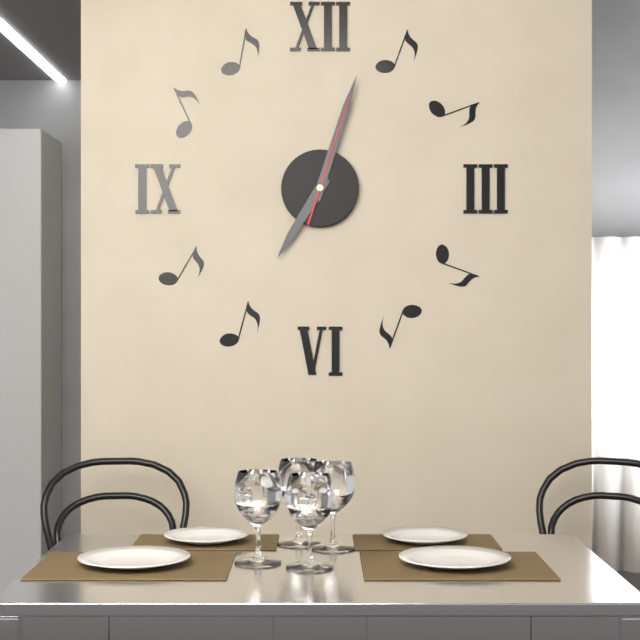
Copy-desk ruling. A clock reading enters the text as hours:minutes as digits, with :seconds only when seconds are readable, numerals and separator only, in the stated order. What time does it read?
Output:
7:03:03
